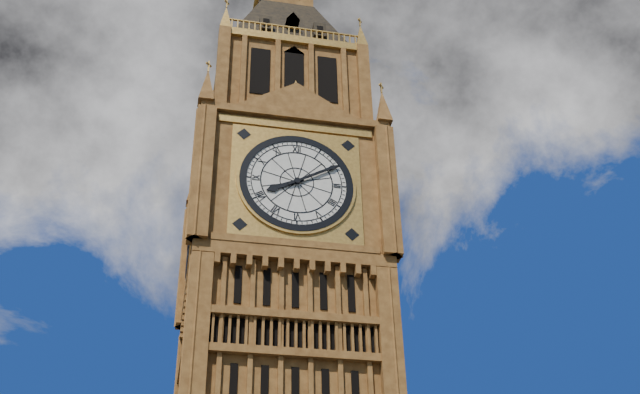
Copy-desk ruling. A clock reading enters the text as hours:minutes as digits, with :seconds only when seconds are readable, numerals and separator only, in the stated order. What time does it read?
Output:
8:10
